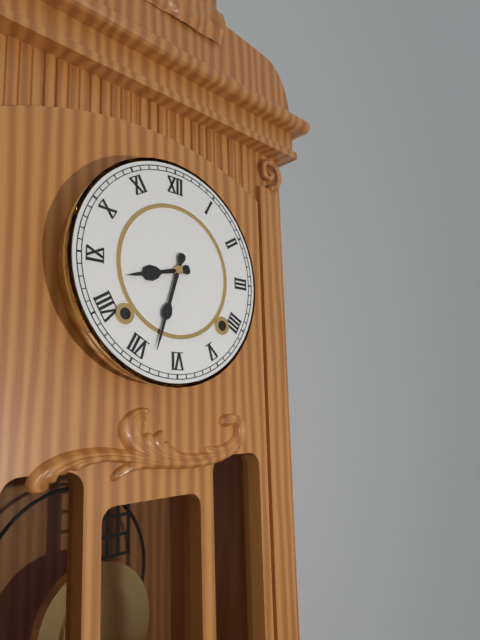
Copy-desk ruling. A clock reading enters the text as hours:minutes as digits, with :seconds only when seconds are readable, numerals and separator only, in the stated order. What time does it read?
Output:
8:33
